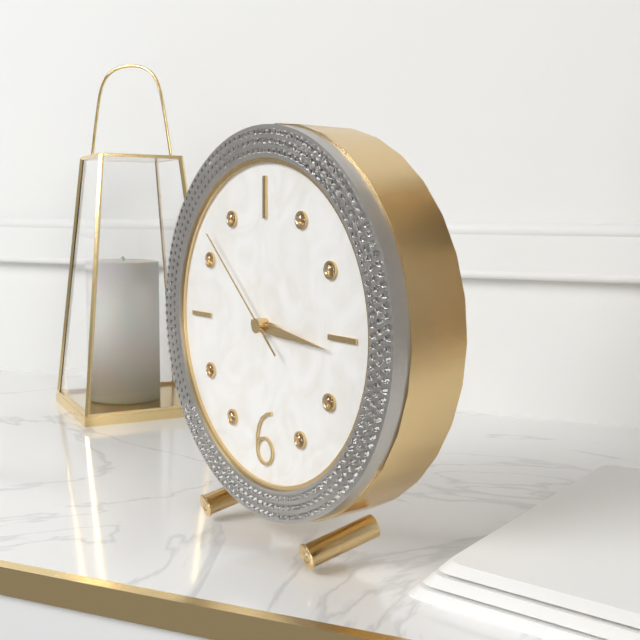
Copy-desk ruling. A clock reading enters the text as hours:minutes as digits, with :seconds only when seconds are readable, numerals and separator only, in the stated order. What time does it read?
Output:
3:16:52
